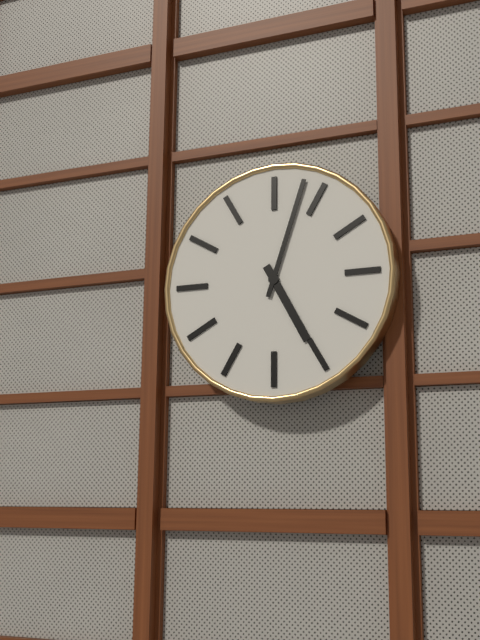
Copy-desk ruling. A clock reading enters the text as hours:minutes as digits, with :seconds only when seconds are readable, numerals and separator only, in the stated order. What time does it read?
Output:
5:03
